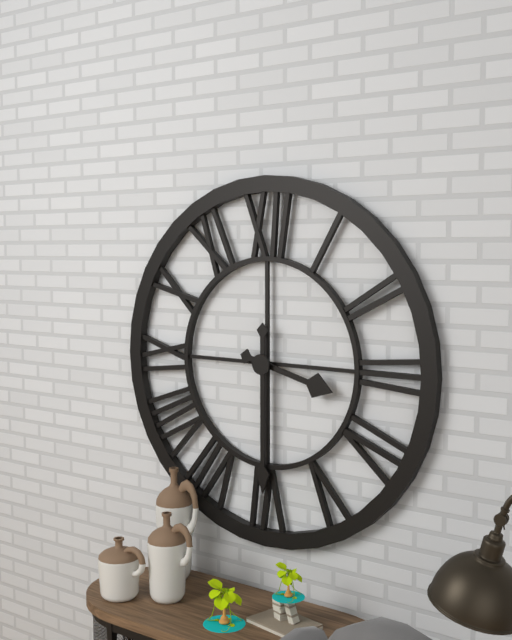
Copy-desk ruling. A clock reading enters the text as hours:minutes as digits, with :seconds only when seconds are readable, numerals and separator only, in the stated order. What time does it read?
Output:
3:30
